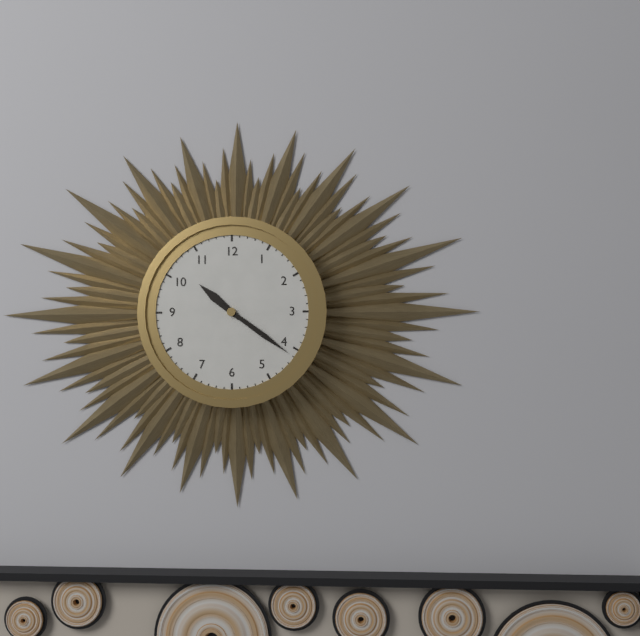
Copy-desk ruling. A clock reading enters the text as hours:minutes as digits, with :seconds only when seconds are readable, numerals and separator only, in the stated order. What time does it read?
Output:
10:21
